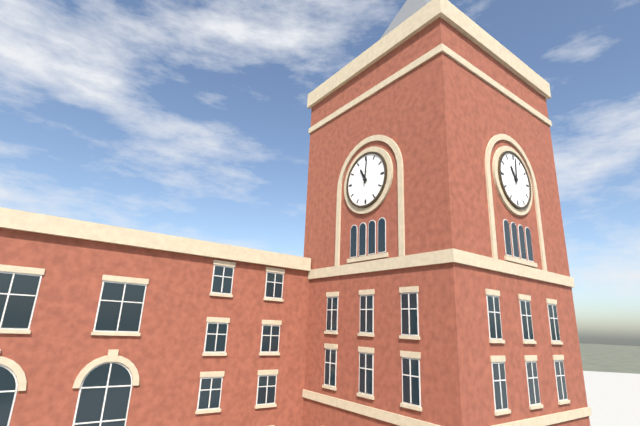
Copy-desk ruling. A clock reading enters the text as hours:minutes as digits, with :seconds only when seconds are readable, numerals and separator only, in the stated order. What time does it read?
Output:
11:01
